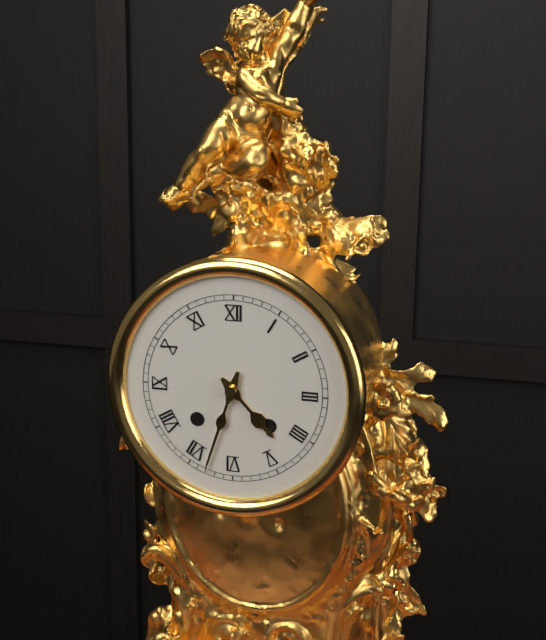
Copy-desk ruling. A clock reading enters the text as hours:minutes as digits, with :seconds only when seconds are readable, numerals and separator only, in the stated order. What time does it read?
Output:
4:33
